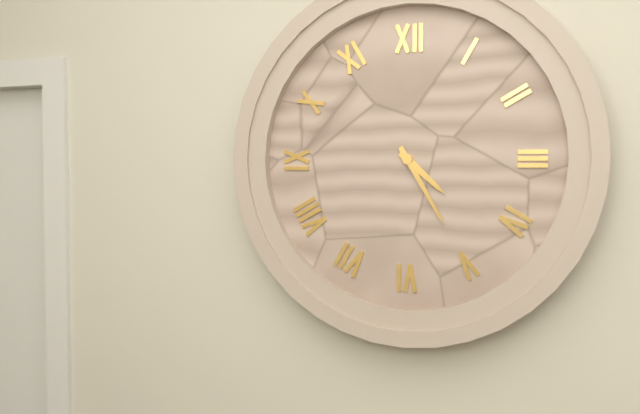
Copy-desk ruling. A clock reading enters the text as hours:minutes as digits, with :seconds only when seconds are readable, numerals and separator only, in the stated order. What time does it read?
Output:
4:25
